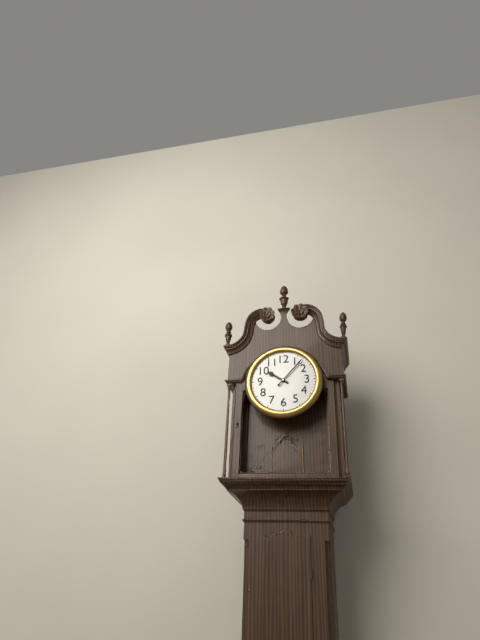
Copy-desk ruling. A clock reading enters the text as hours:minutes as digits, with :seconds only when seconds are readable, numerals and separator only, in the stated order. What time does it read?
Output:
10:07
